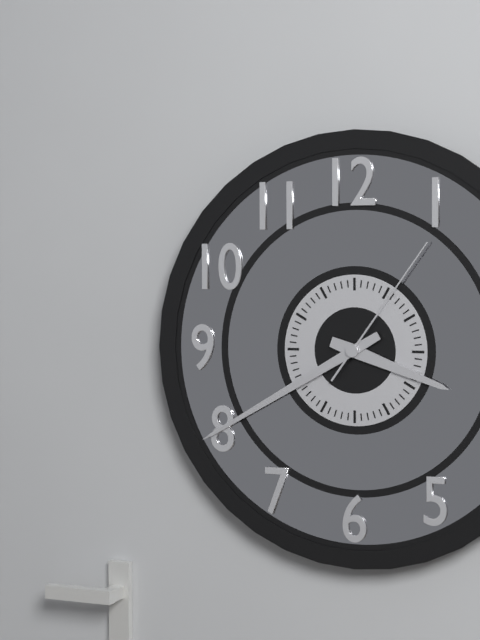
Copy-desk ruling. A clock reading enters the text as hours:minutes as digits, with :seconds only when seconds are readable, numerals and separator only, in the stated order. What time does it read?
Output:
3:40:06
